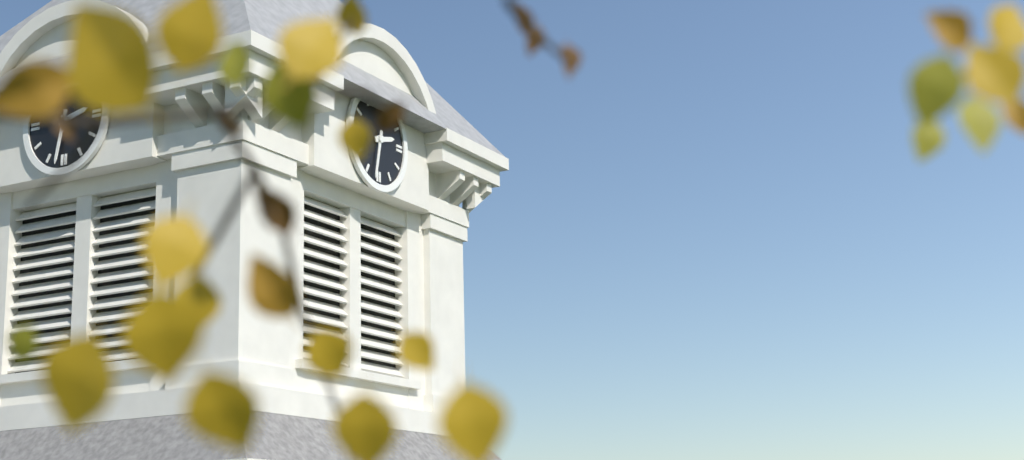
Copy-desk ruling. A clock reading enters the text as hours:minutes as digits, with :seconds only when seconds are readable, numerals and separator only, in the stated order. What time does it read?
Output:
2:32
